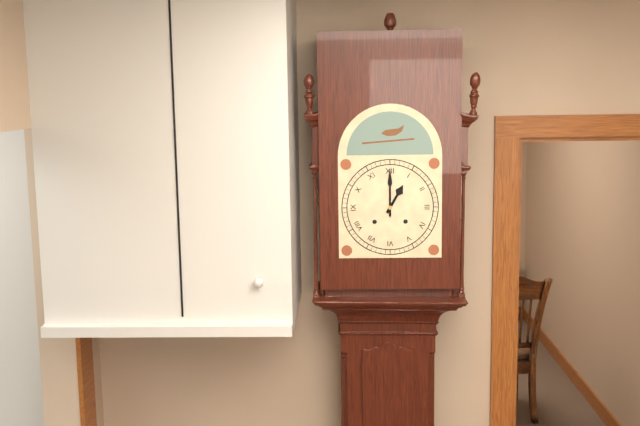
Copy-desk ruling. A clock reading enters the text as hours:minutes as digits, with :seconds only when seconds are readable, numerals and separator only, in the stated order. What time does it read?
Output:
1:00
